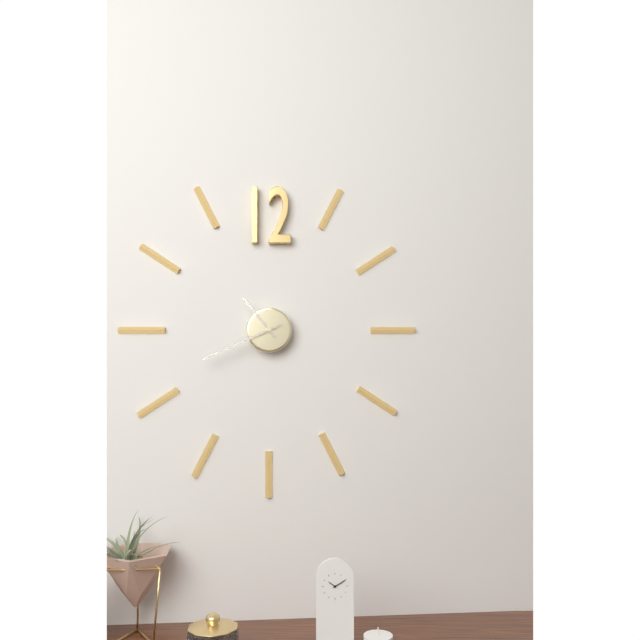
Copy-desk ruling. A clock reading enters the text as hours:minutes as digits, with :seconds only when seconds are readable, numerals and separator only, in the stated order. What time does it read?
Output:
10:41
